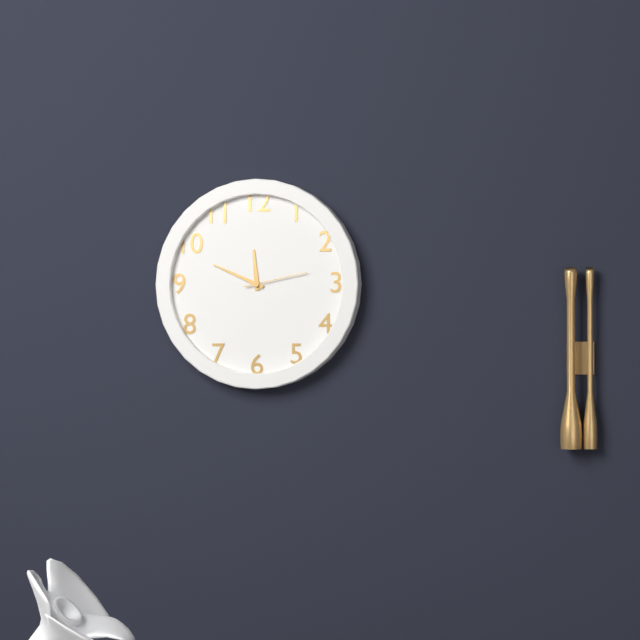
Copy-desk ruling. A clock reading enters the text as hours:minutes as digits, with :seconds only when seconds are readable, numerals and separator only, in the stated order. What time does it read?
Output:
11:49:13
